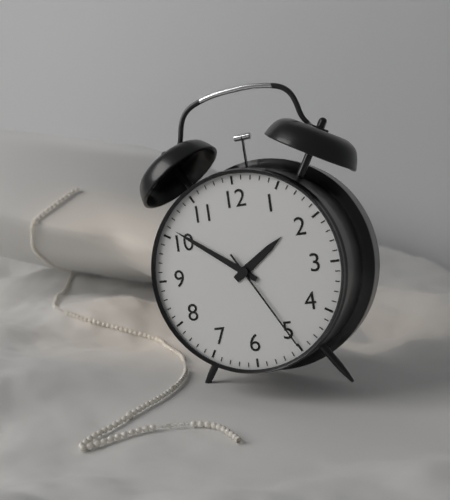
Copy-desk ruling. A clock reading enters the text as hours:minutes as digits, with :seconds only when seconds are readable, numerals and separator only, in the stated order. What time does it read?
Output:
1:51:25
